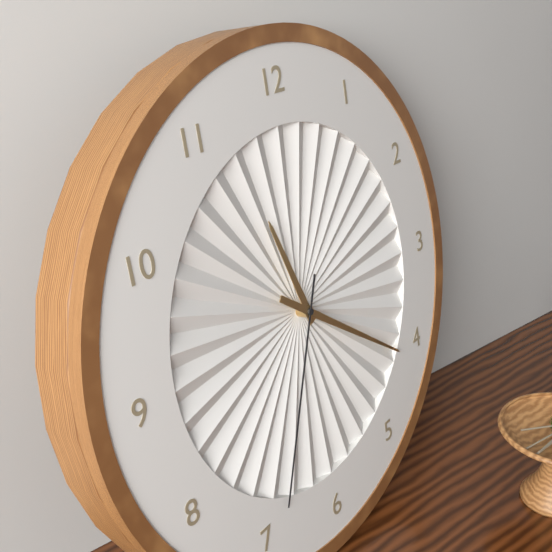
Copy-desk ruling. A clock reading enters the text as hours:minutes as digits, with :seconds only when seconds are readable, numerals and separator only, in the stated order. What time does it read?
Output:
11:21:34
